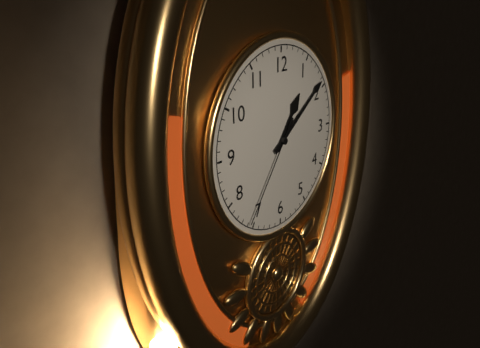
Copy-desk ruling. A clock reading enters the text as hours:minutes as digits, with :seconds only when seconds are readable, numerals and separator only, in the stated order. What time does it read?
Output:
1:09:36
